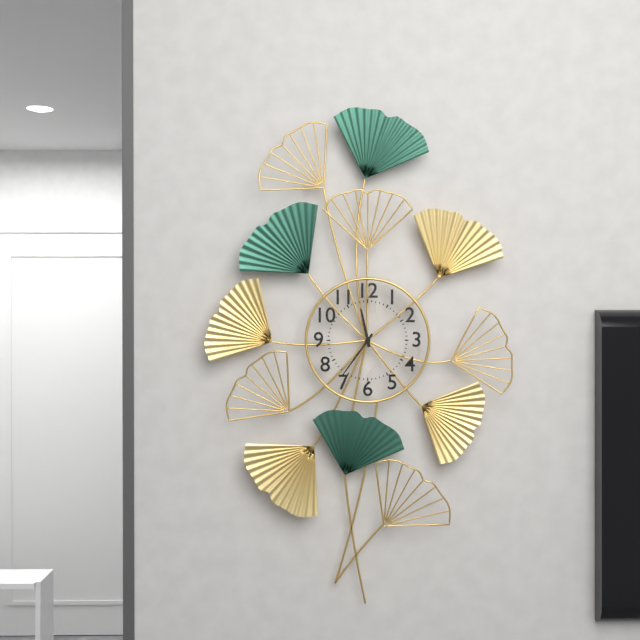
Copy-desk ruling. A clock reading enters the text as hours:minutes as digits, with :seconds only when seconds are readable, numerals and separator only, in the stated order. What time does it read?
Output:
11:36
